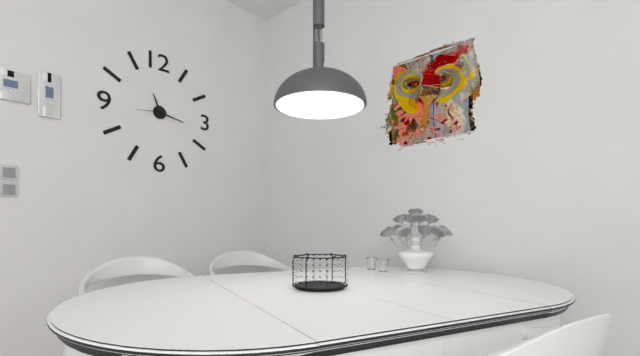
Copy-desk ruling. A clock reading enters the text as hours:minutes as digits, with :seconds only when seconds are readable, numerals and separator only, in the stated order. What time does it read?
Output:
11:17
